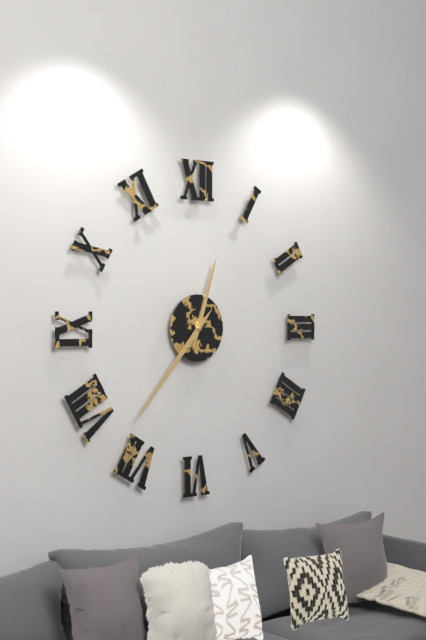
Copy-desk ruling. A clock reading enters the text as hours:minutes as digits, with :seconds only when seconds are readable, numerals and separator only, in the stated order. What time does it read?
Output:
12:37
